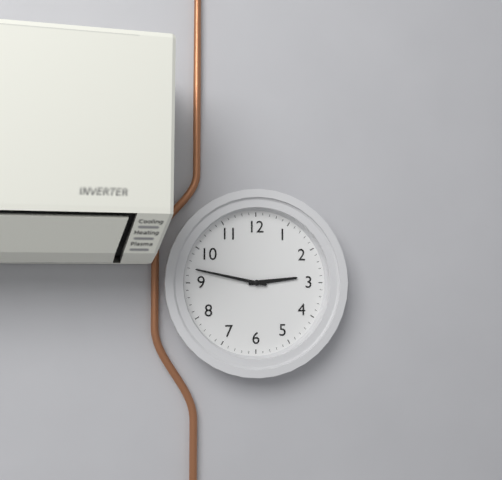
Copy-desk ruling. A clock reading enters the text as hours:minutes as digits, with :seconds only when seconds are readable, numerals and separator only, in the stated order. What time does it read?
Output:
2:47
